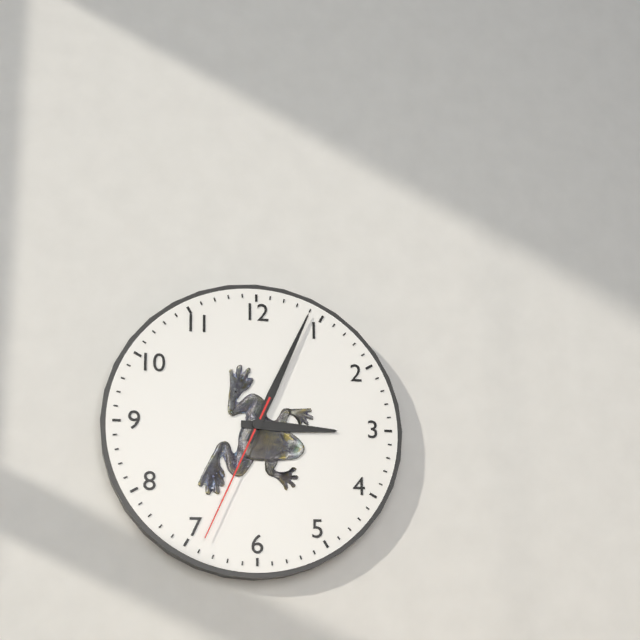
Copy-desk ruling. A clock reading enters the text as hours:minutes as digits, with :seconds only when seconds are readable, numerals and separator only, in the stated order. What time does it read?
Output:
3:04:34
